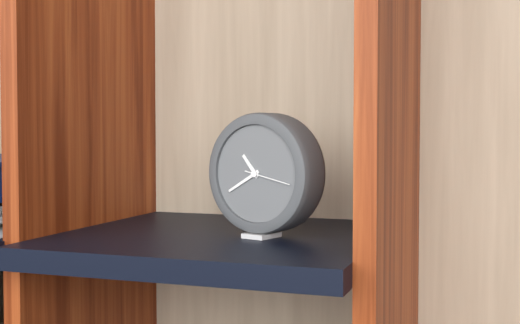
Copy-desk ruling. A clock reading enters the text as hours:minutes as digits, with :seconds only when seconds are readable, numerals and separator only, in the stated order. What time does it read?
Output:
10:40
